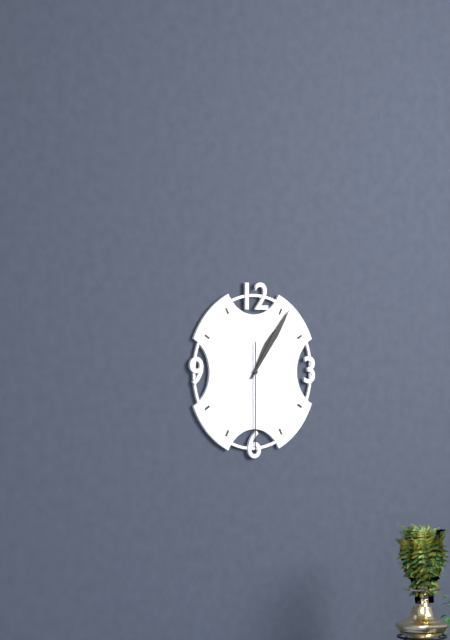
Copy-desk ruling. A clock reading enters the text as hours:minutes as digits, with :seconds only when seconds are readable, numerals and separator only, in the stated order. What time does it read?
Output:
1:06:30
